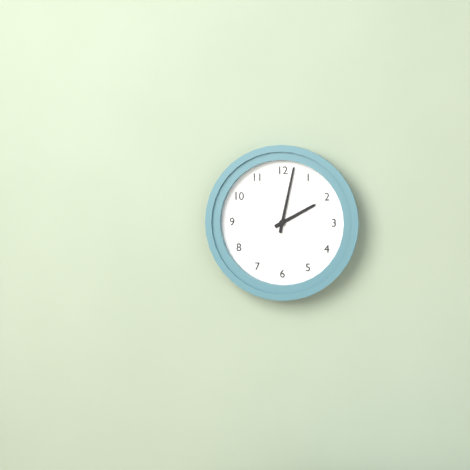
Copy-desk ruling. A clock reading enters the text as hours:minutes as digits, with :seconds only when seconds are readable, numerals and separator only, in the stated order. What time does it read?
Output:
2:02
